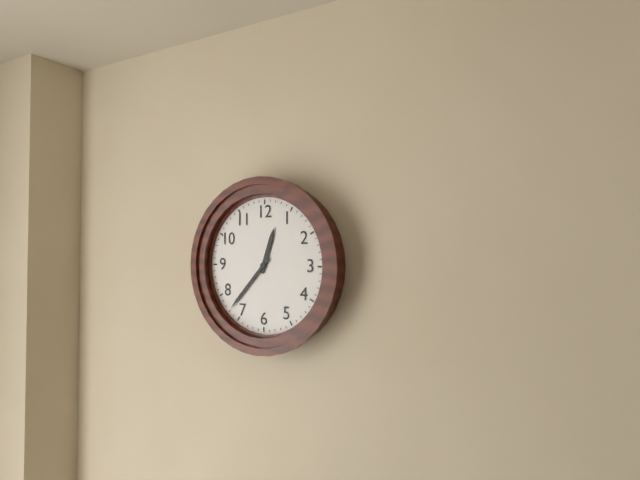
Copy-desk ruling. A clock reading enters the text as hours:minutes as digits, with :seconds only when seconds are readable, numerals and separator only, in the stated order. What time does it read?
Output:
12:37
